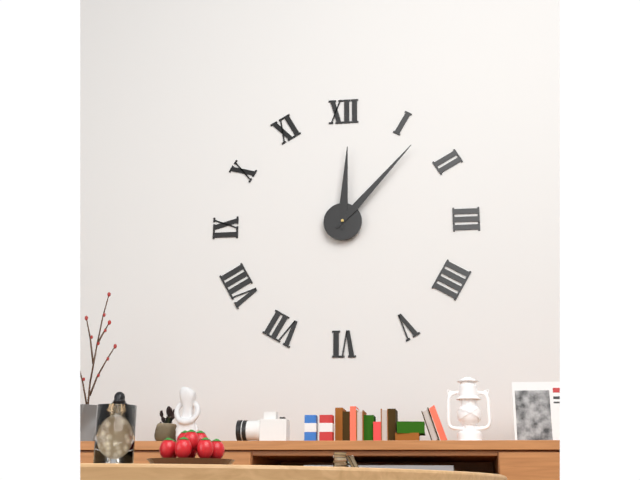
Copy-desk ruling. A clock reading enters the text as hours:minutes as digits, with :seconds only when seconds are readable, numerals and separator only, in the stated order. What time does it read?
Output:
12:07
